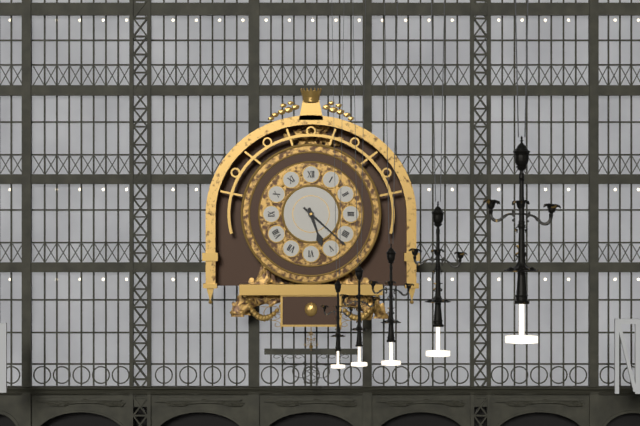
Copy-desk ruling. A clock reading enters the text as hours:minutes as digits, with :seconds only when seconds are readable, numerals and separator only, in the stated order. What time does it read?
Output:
5:22
